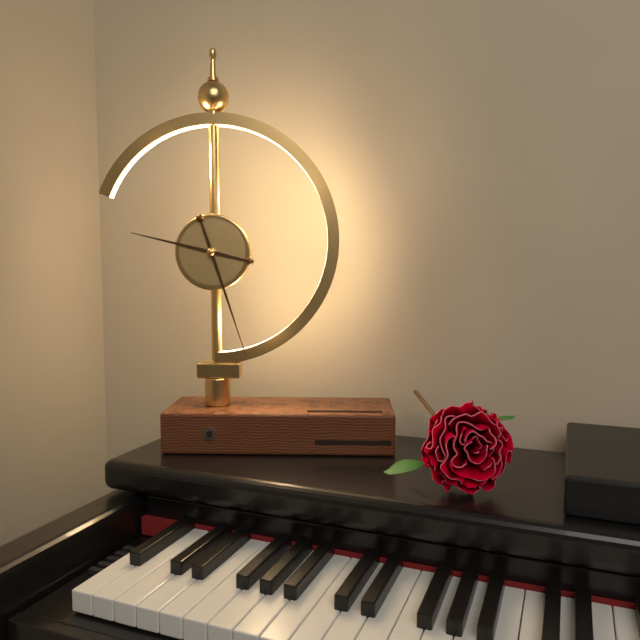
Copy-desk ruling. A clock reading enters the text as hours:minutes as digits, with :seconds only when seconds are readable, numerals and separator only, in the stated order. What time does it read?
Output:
9:27
